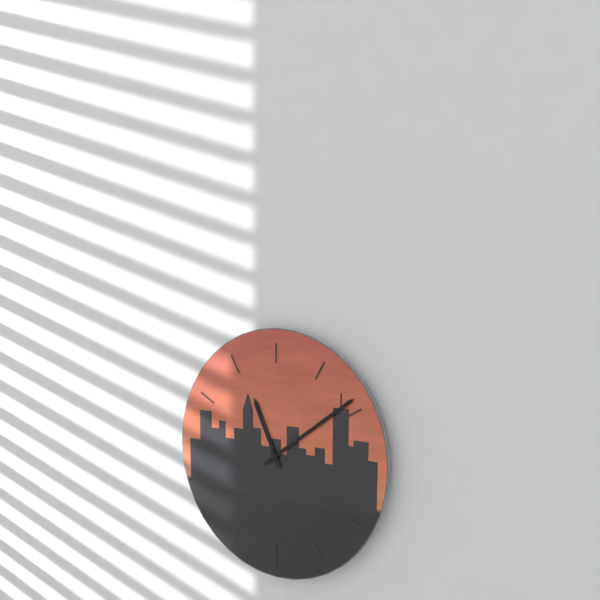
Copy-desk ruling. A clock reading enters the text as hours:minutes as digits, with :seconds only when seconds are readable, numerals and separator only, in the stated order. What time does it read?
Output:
11:09
